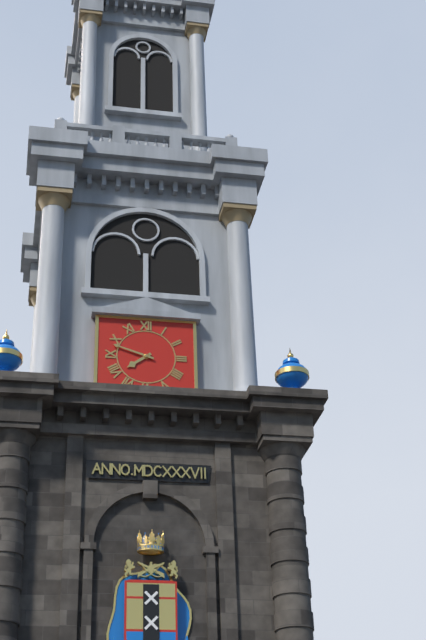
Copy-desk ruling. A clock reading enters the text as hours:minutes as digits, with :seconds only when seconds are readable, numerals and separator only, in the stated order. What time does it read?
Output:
7:48
